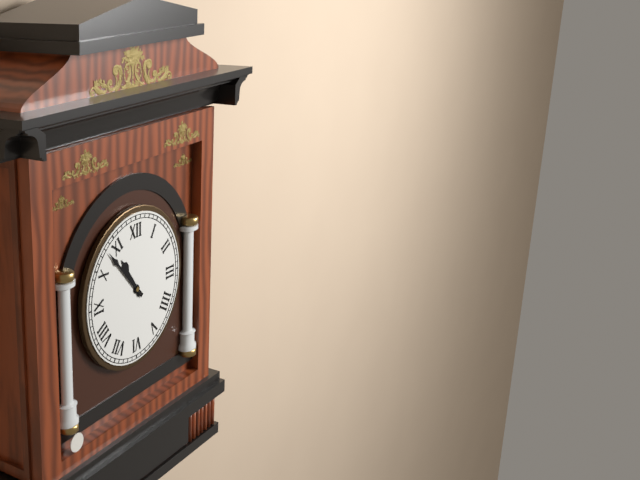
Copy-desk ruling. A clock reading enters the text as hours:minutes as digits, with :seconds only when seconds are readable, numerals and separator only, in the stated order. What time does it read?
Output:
10:53
